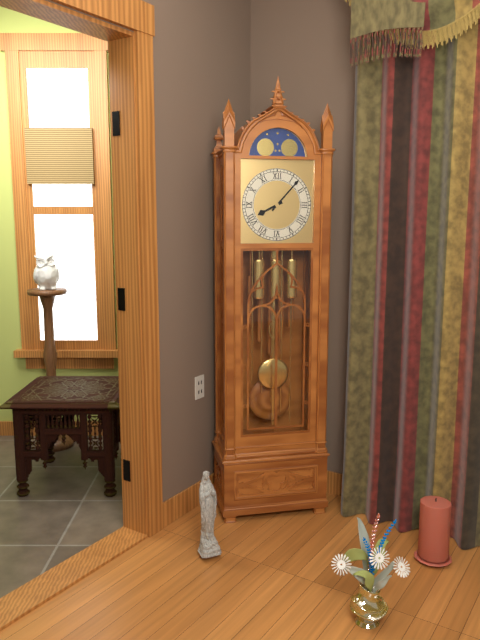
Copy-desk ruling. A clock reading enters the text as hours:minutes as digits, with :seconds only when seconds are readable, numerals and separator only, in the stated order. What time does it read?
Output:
8:07
